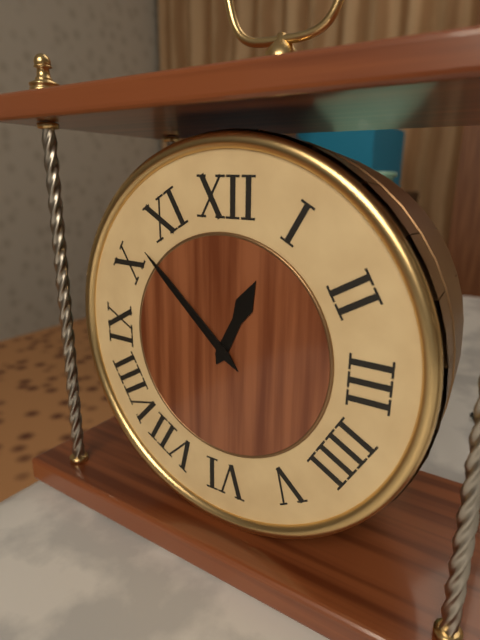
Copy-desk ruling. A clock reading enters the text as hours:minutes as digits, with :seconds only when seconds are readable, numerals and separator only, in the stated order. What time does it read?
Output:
12:52
